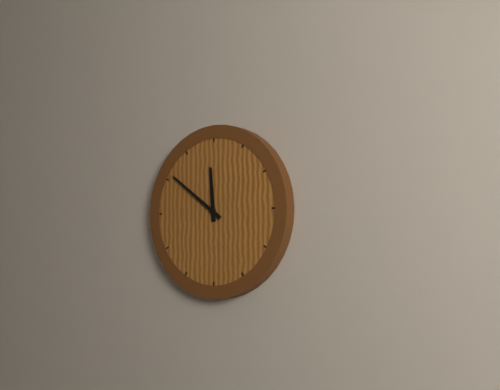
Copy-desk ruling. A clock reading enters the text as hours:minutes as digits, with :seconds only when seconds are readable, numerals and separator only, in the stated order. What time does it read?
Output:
11:51
